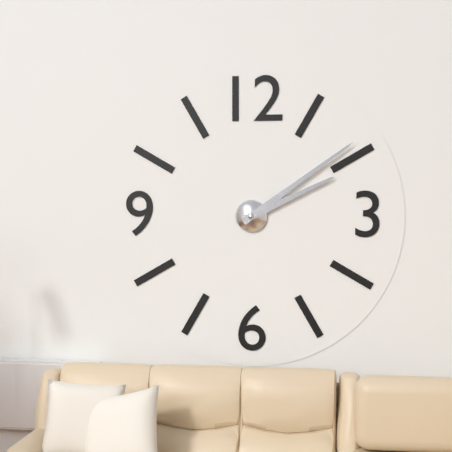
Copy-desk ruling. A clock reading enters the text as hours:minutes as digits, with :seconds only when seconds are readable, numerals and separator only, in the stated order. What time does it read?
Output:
2:09
